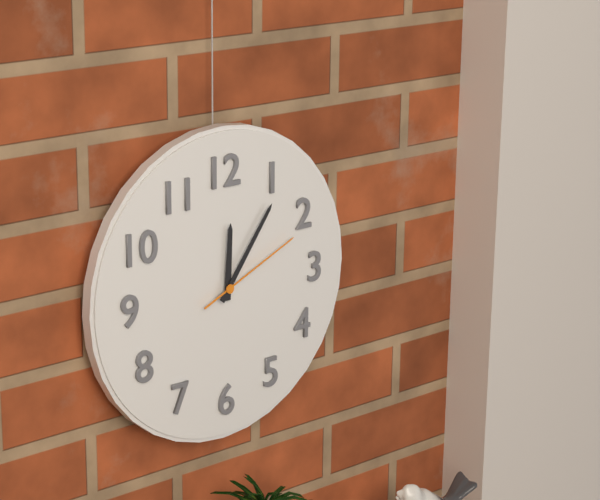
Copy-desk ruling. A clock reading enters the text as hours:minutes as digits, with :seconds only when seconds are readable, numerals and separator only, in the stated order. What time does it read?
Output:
12:06:11
